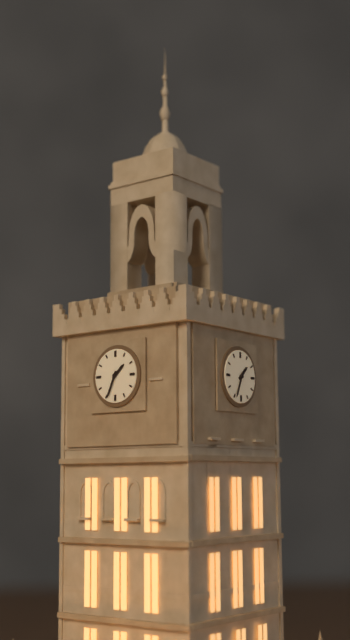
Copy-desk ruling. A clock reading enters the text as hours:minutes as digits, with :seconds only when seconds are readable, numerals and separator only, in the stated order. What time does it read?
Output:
1:34
